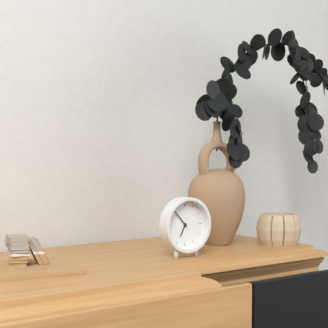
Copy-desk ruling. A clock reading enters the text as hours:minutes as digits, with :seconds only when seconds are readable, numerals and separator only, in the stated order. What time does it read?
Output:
6:53
